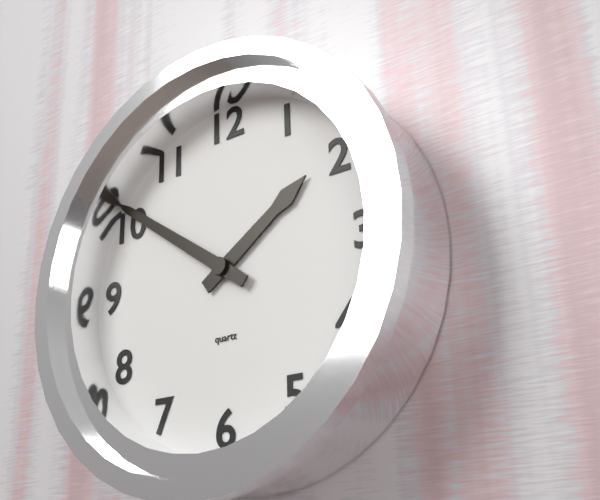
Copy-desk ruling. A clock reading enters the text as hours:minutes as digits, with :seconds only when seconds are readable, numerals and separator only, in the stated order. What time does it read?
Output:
1:51
